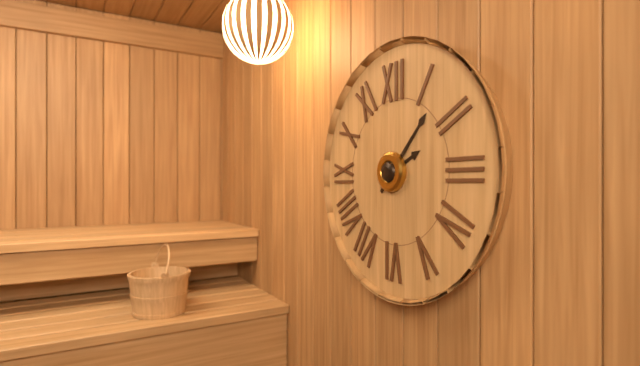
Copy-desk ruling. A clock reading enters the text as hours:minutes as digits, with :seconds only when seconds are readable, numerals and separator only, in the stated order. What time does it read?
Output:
2:07
